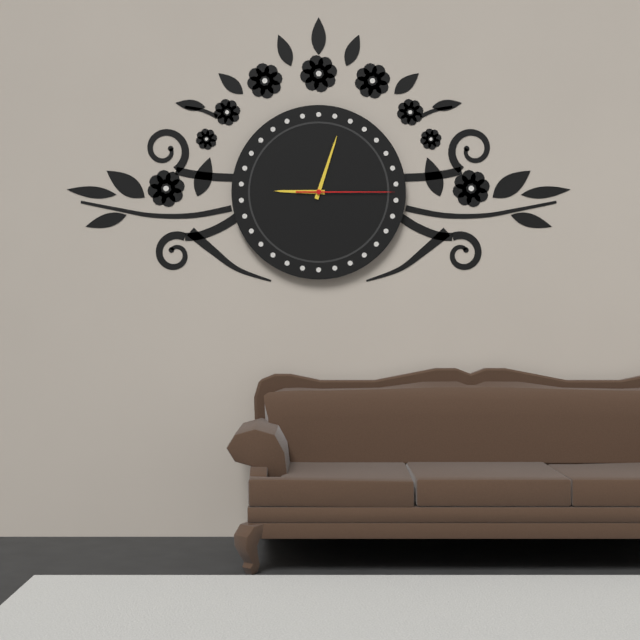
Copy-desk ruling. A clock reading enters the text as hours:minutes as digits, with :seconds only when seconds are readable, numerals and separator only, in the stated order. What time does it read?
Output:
9:03:15
